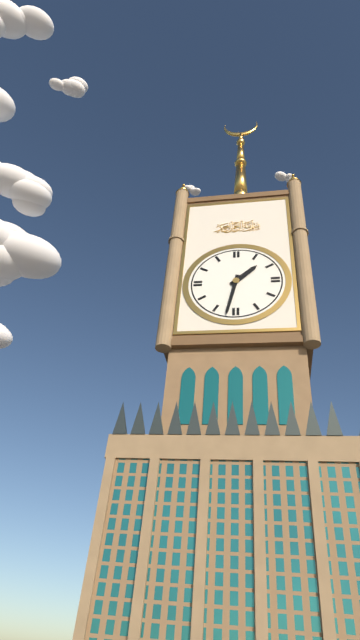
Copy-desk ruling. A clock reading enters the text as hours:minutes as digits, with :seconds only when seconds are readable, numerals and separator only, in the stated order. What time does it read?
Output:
1:32
